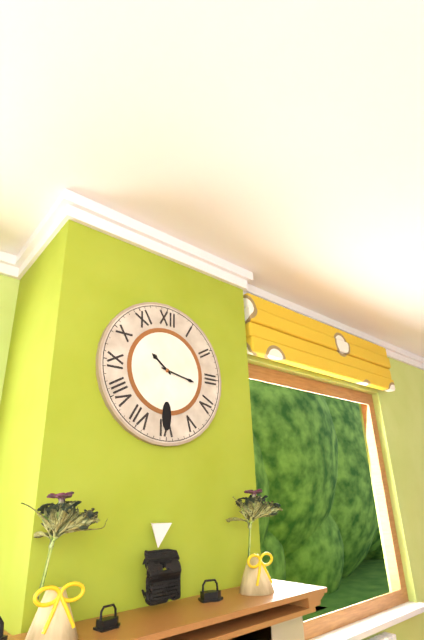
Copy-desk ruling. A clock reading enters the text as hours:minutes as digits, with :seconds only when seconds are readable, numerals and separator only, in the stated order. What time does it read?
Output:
10:17
